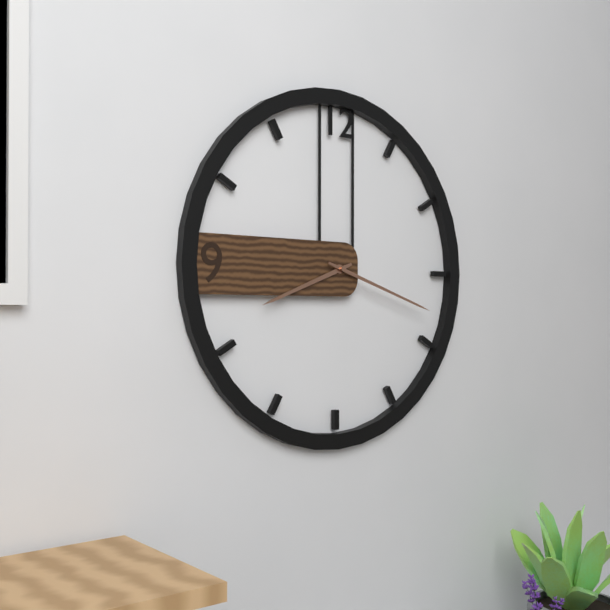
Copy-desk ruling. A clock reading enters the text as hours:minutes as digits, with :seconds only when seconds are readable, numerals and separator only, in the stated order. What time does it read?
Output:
8:18
